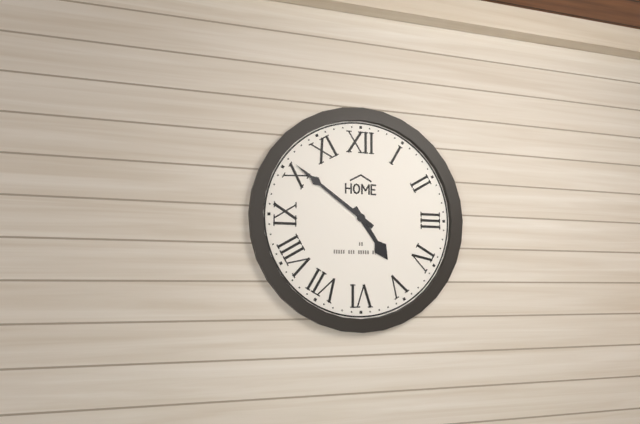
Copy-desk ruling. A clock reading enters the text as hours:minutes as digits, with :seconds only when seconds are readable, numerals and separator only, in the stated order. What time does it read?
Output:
4:51
